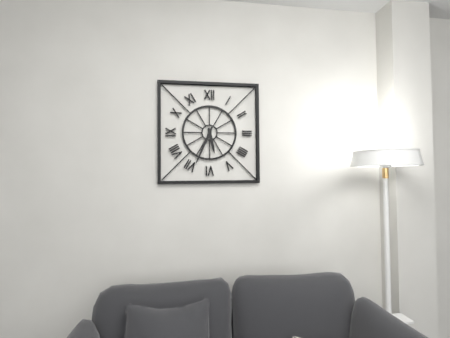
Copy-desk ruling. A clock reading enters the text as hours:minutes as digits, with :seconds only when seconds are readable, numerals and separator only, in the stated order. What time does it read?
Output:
5:34
